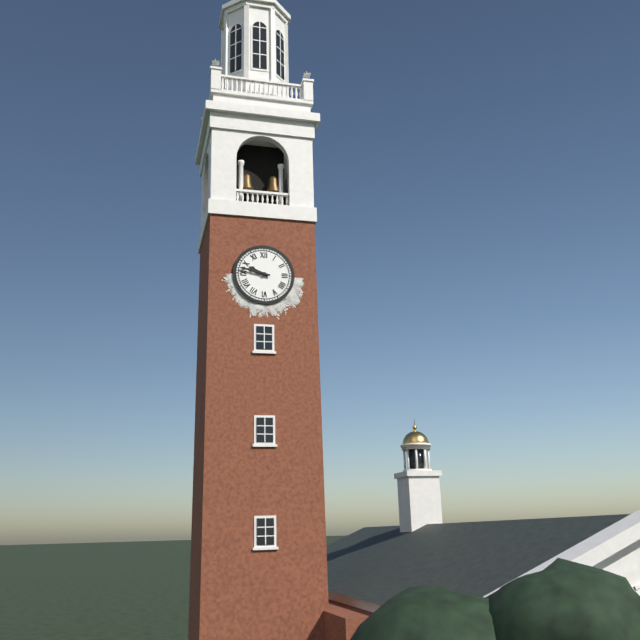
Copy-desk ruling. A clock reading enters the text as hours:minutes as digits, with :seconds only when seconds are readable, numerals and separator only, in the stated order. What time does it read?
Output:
9:47
